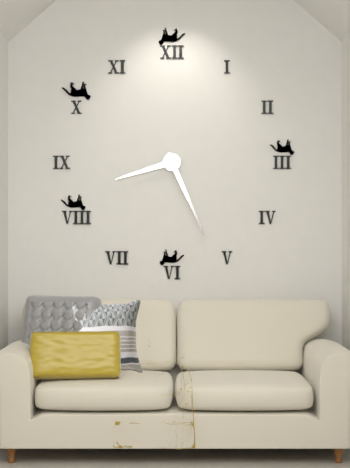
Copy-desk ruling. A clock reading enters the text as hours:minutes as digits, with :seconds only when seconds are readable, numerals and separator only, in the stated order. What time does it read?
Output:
8:26
